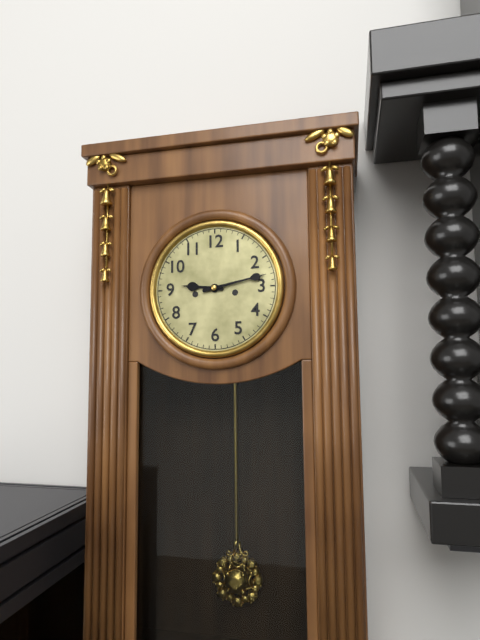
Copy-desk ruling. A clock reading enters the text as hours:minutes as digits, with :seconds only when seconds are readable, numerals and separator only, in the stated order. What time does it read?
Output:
9:13
